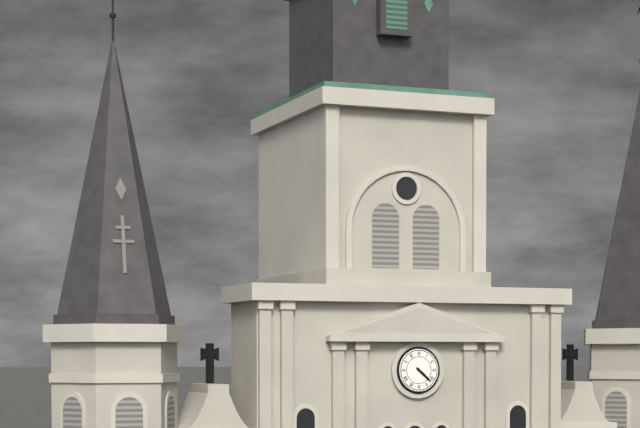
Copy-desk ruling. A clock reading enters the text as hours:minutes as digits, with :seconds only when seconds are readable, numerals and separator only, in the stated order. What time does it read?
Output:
4:22
